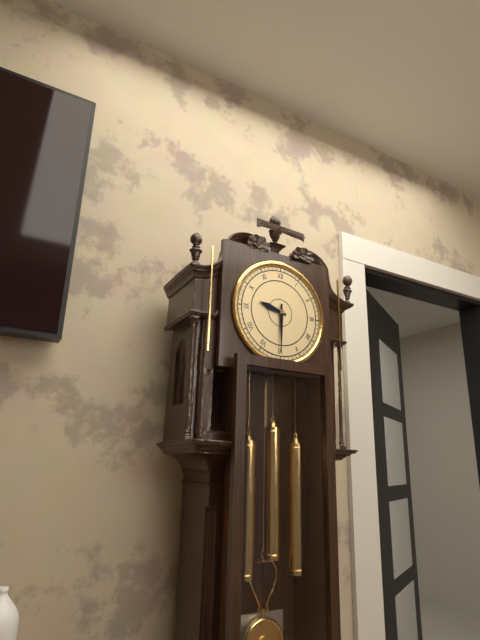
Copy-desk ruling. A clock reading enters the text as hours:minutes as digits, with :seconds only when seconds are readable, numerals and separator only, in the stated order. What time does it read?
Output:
9:30
